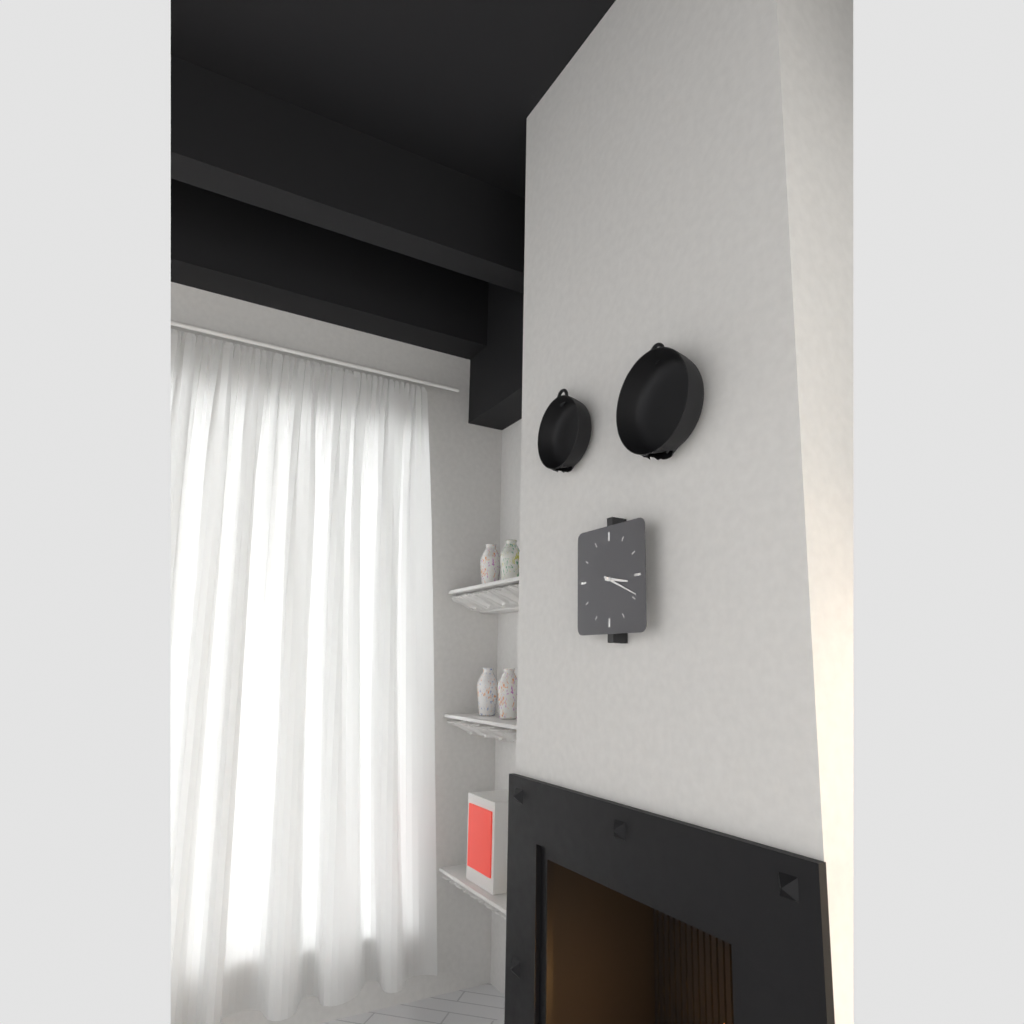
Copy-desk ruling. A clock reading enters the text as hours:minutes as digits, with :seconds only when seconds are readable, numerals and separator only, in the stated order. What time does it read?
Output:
3:19
